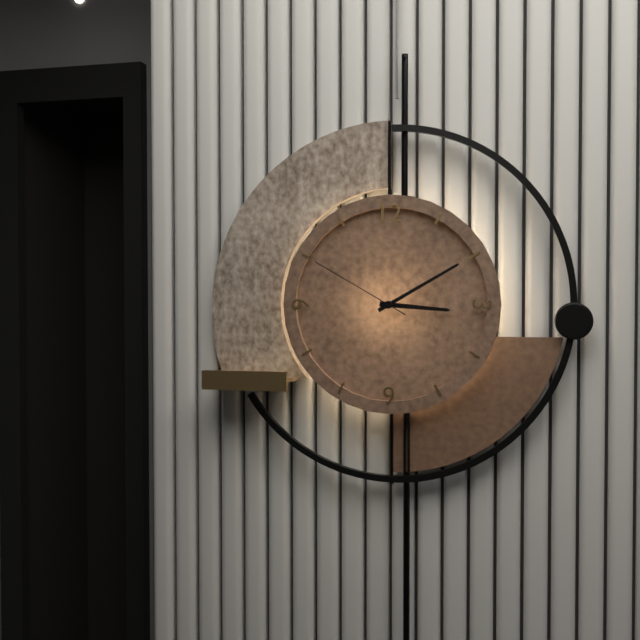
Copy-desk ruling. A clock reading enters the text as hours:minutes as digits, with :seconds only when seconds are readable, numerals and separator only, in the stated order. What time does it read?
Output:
3:10:50
